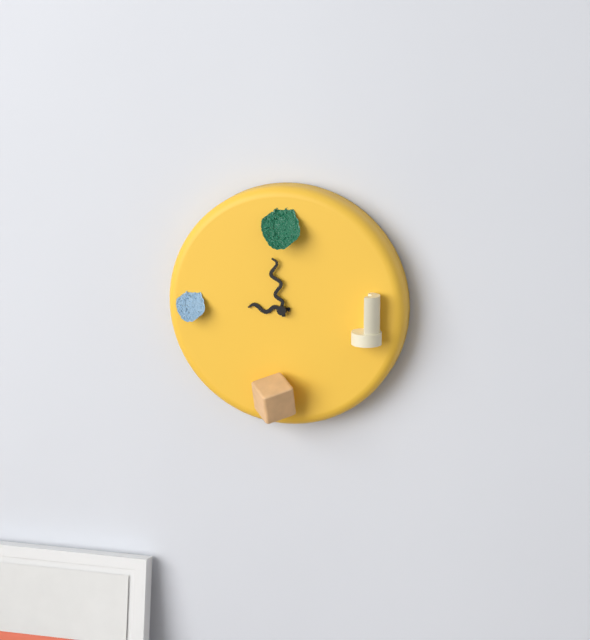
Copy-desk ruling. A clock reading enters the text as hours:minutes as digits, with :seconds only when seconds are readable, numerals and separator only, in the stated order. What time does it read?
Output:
8:58
